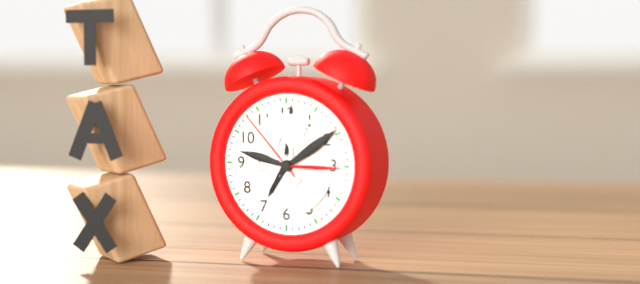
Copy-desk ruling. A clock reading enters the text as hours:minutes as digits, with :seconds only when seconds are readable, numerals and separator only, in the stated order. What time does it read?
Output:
7:01:53
